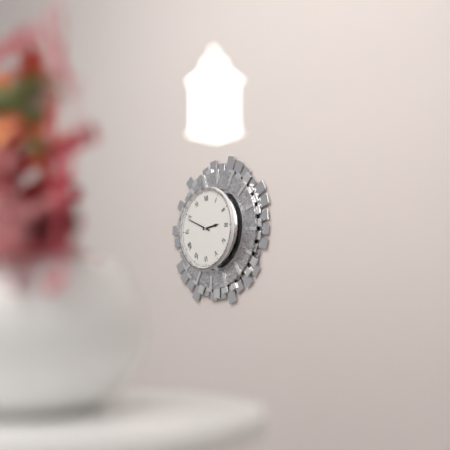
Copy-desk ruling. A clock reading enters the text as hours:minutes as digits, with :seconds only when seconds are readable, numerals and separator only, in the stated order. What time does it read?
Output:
2:49
